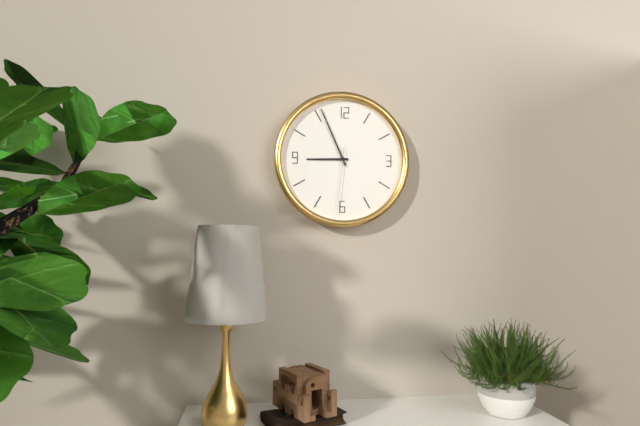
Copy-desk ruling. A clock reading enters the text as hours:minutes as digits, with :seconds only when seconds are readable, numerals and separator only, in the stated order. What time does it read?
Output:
8:56:31
